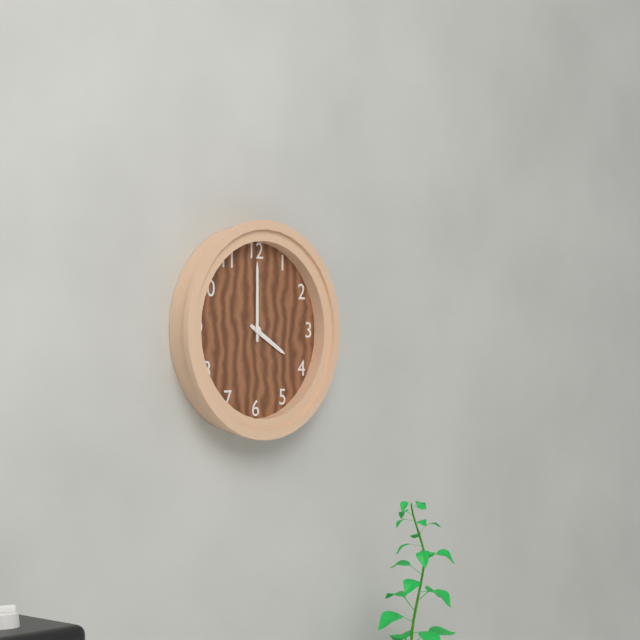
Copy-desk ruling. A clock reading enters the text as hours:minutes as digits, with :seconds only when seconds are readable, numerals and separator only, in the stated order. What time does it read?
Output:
4:00
